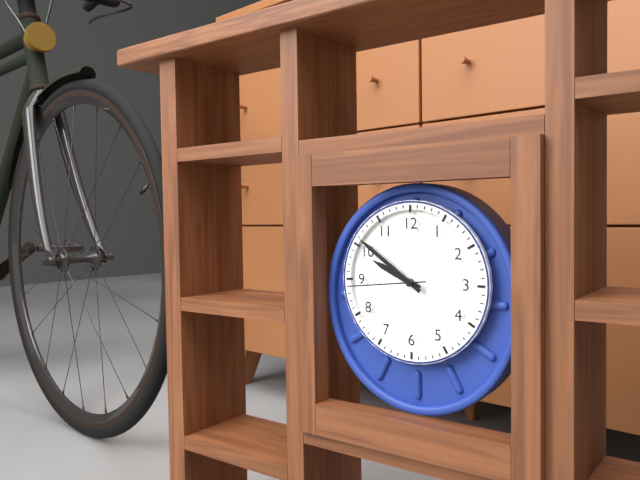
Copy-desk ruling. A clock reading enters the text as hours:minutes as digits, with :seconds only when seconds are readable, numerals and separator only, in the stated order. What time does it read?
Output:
9:51:44
